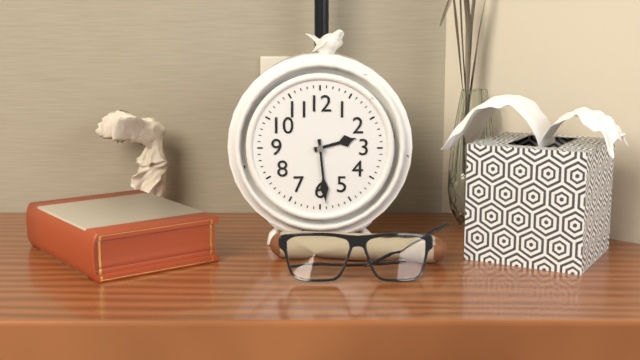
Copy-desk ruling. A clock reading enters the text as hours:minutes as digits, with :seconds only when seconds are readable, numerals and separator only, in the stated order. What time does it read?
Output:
2:29
